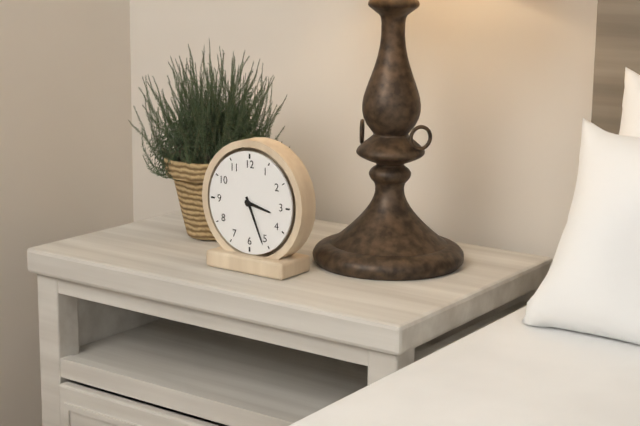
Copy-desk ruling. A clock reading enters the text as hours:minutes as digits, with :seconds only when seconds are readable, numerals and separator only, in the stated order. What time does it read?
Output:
3:26
